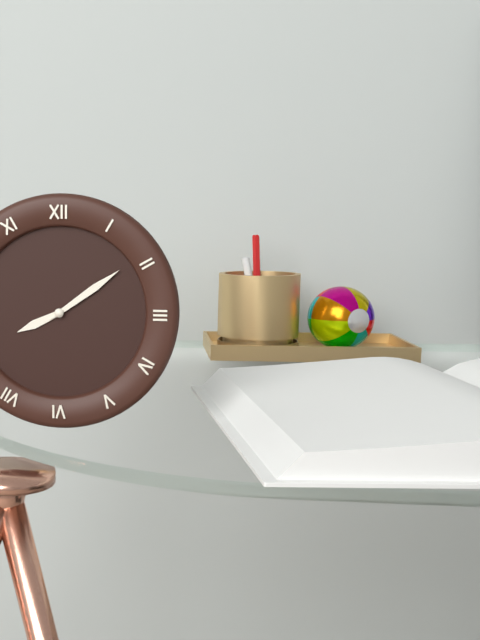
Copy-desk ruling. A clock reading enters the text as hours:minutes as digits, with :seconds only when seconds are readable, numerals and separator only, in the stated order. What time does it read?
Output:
8:09
